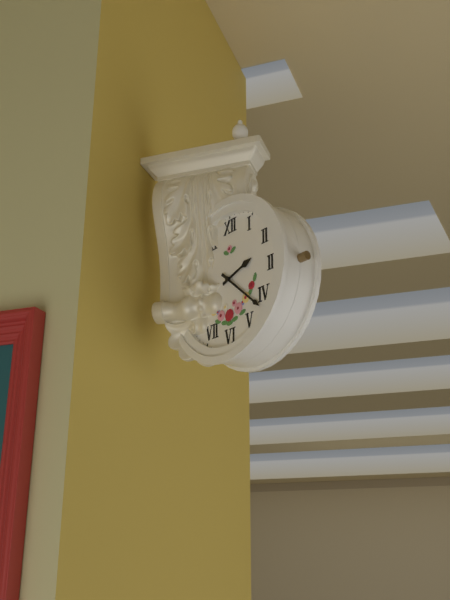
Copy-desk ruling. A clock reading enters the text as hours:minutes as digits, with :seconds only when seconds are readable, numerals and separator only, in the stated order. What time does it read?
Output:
2:22
